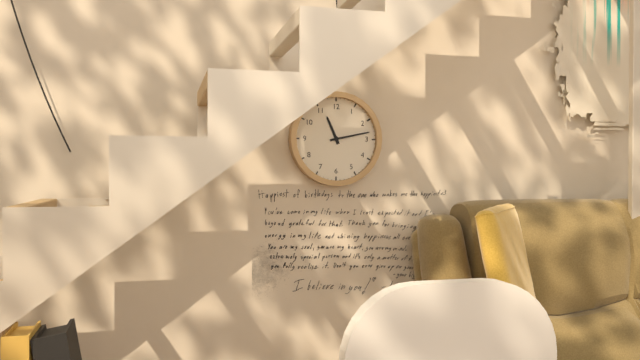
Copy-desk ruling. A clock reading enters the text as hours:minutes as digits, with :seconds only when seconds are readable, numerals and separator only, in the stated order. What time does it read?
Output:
11:13
